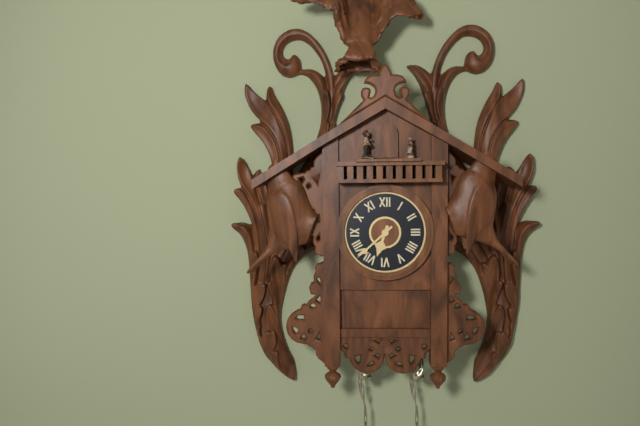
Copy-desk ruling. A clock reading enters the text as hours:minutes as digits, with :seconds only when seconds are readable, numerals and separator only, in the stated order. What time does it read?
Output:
6:38
